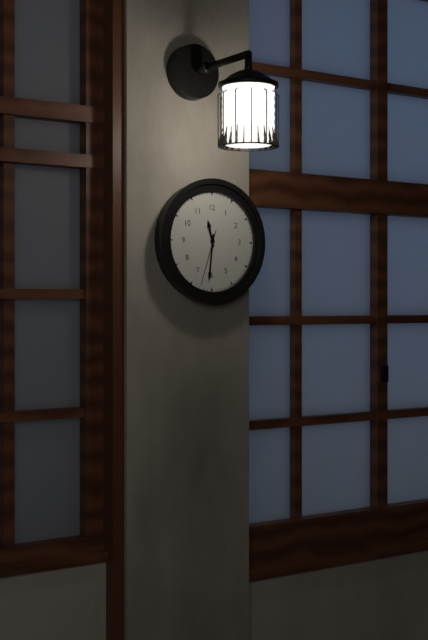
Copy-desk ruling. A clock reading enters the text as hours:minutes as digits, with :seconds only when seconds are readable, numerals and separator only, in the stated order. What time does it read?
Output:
11:31:33
